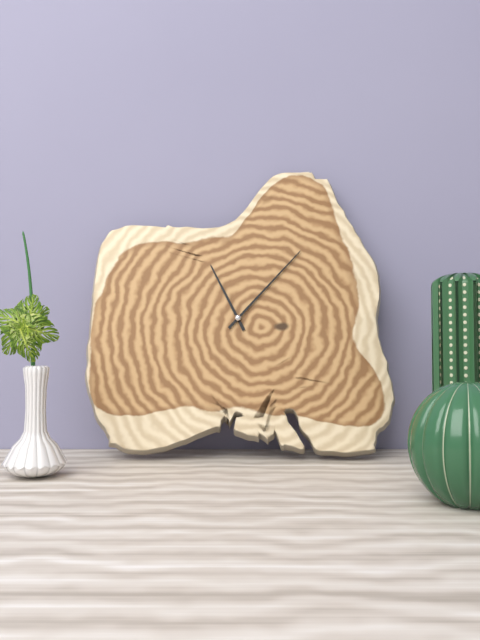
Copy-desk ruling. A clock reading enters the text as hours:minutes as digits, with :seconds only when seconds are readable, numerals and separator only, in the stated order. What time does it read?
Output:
11:07
